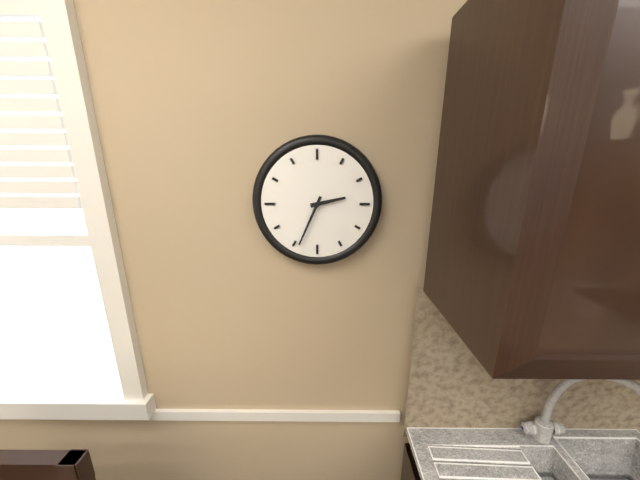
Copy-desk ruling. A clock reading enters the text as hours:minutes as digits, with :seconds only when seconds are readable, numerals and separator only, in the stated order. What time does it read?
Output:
2:34
